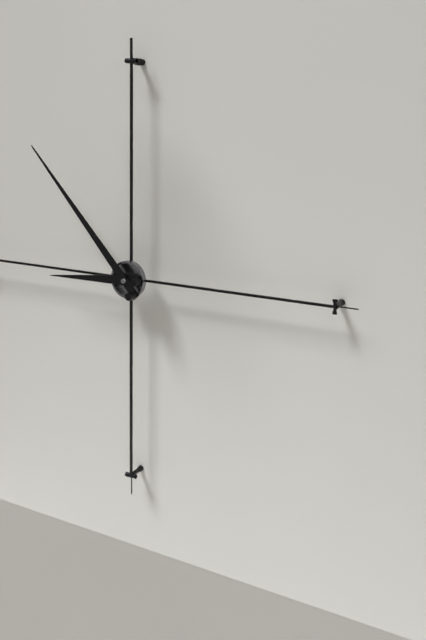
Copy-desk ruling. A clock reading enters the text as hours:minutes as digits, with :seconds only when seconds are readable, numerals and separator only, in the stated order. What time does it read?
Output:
8:53
